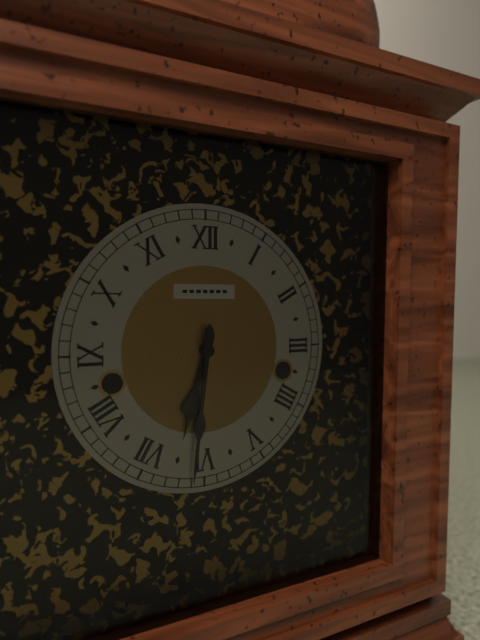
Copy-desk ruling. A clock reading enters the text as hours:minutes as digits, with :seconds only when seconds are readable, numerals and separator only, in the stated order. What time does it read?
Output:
6:31
